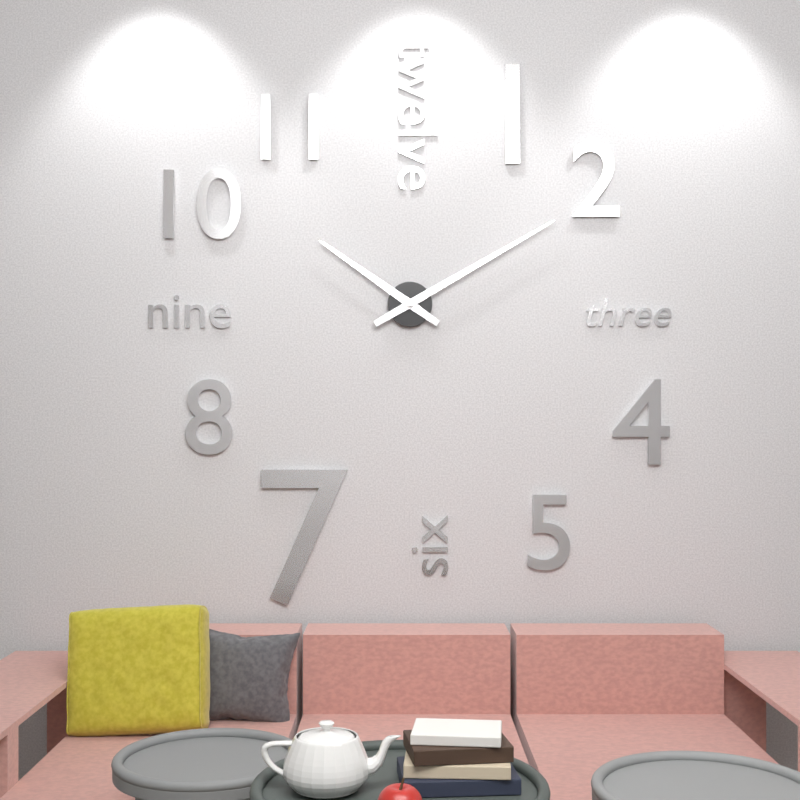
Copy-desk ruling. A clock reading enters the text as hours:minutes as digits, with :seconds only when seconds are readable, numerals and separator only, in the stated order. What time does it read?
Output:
10:10
